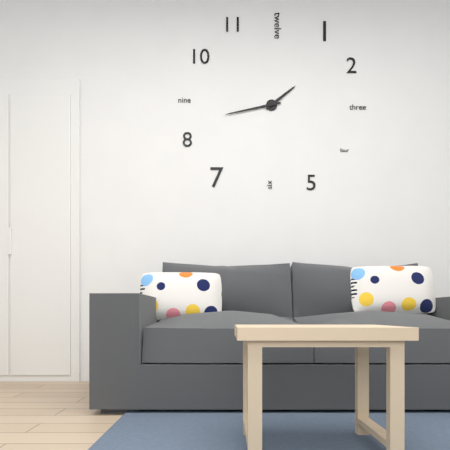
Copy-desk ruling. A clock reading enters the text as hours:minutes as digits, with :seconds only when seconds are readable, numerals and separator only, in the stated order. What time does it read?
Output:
1:43
